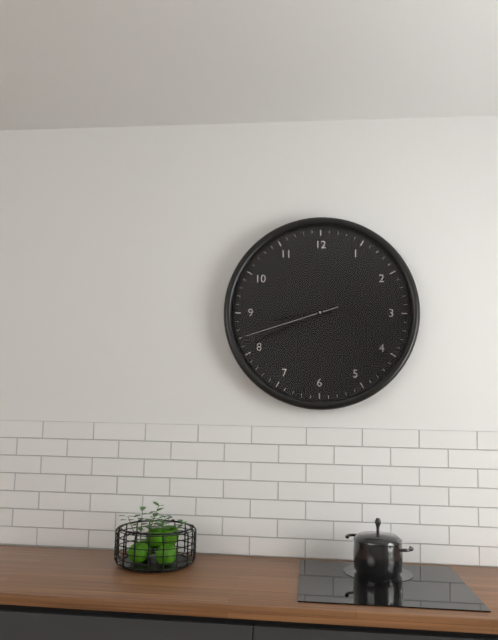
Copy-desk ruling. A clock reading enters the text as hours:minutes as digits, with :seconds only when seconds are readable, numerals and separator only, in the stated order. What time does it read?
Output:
8:41:42
